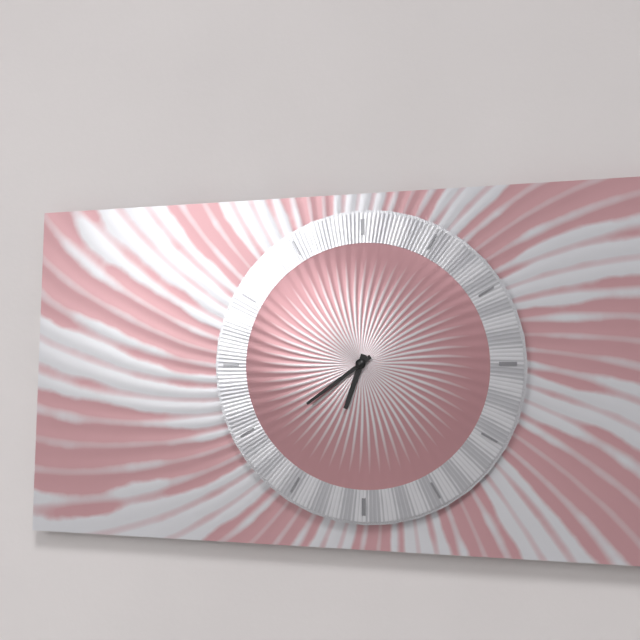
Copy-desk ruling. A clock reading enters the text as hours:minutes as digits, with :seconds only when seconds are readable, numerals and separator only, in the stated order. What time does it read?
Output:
6:39
